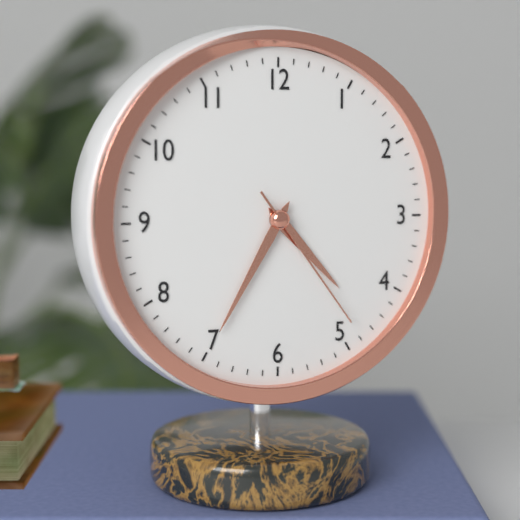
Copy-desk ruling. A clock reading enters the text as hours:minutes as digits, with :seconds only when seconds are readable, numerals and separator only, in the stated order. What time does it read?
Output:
4:35:24
